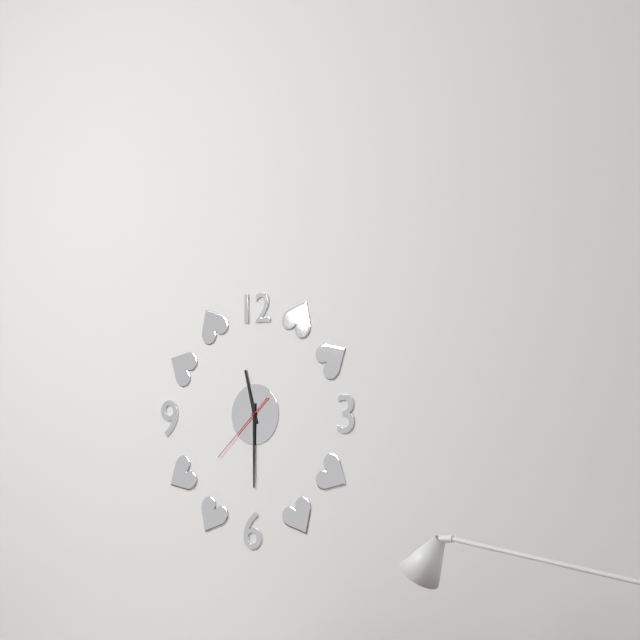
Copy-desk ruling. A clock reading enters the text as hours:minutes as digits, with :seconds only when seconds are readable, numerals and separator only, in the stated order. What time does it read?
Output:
11:30:38
